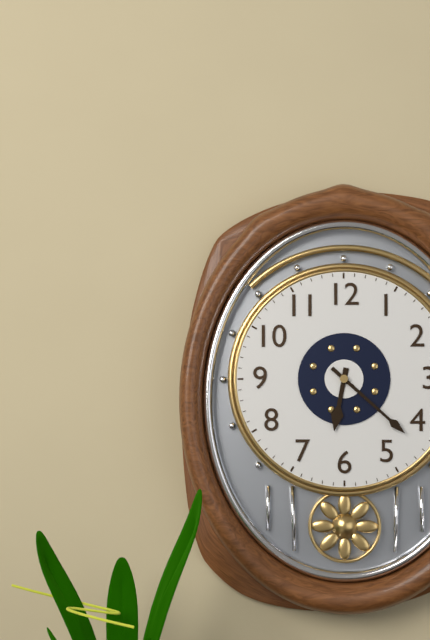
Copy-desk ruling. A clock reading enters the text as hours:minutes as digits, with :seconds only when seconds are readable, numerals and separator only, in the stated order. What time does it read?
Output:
6:22
